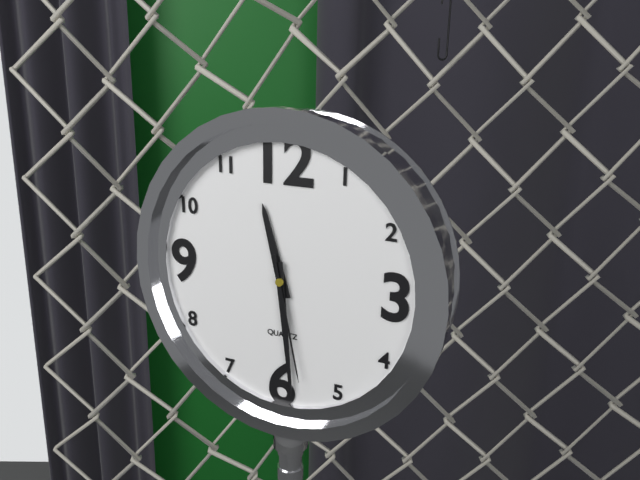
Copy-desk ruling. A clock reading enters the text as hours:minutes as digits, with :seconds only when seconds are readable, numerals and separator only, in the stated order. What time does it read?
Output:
11:29:28
